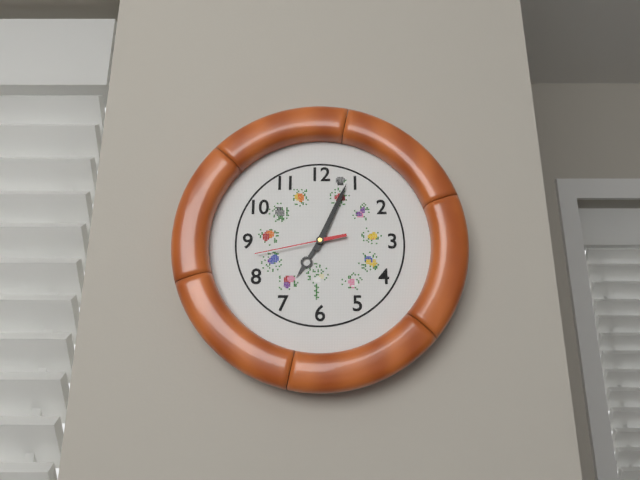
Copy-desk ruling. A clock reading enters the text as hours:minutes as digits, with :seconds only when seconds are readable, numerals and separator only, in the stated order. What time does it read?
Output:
7:04:43
